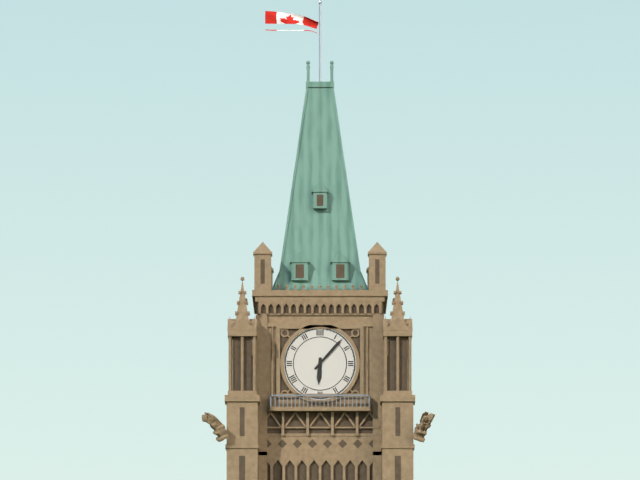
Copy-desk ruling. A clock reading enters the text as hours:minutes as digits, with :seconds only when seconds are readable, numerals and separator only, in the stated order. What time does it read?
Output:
6:07
